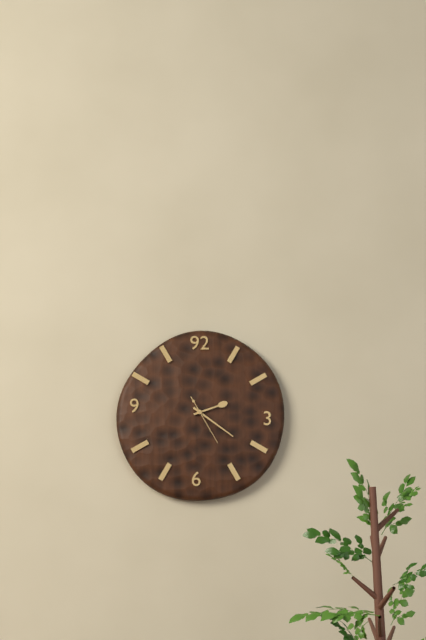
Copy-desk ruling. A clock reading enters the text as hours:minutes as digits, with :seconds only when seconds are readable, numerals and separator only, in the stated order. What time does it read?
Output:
2:21
